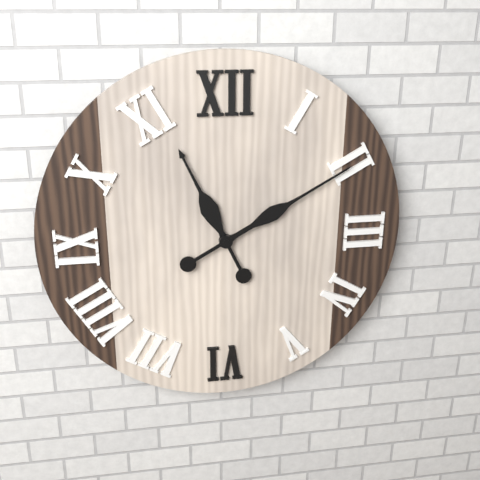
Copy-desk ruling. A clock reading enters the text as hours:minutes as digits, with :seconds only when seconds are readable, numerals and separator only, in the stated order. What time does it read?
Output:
11:10
